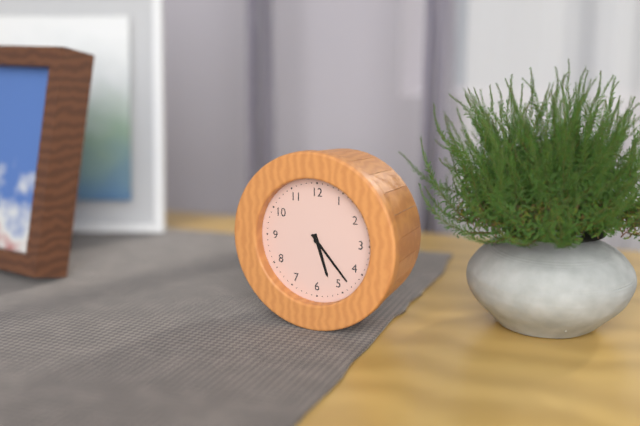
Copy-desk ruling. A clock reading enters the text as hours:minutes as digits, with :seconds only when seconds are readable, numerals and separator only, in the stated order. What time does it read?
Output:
5:23
